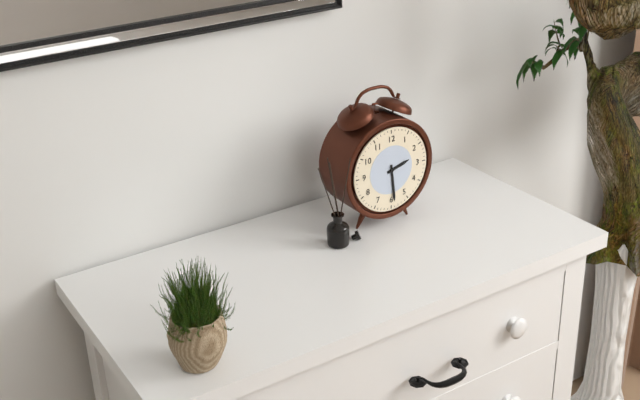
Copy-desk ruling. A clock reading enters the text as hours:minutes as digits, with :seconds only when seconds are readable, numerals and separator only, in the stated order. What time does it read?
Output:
2:29
